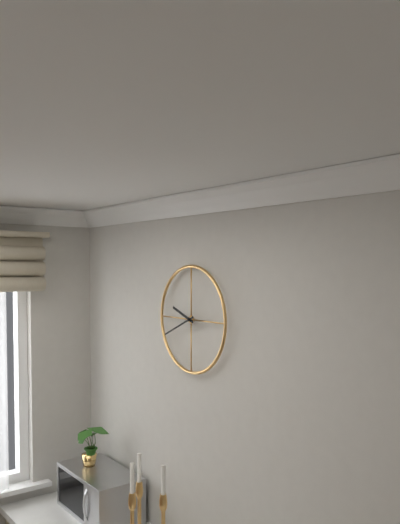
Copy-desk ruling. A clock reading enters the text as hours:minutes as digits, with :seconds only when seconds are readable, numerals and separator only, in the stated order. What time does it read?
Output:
9:41
